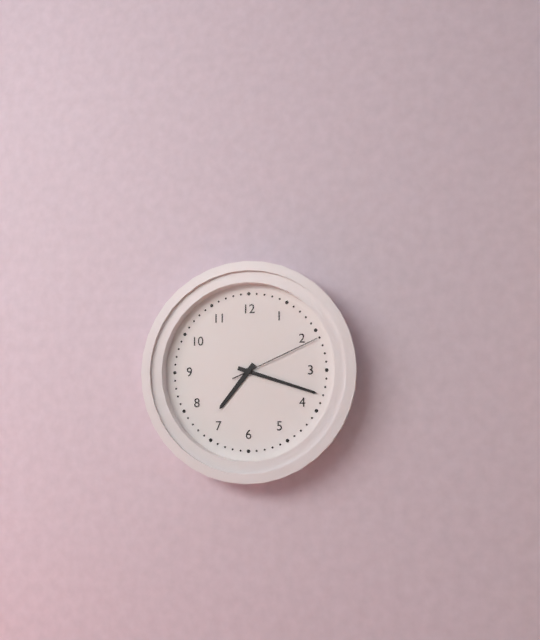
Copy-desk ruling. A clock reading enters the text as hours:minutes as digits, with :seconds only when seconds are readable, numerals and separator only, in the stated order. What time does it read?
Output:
7:18:11
